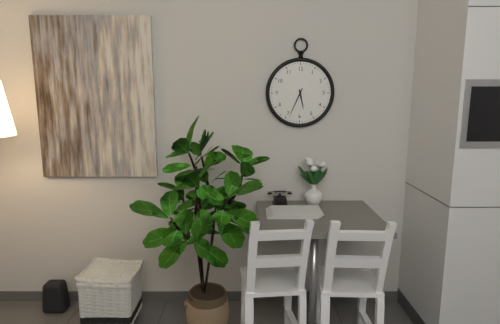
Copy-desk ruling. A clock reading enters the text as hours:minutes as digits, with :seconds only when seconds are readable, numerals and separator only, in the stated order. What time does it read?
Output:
5:34
